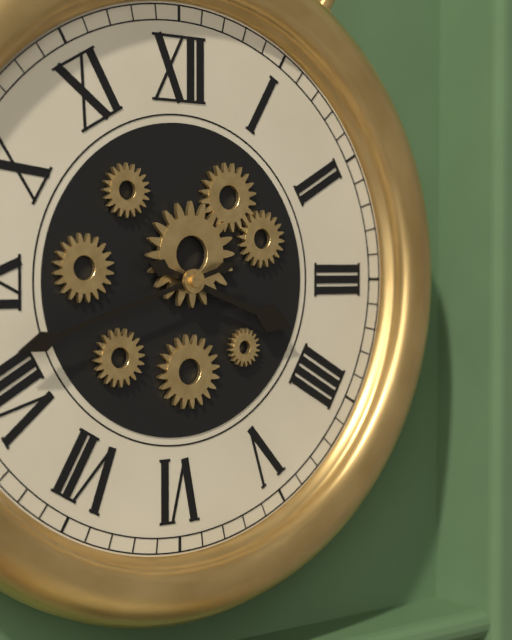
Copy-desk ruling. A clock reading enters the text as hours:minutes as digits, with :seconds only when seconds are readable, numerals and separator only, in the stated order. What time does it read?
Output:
3:42
